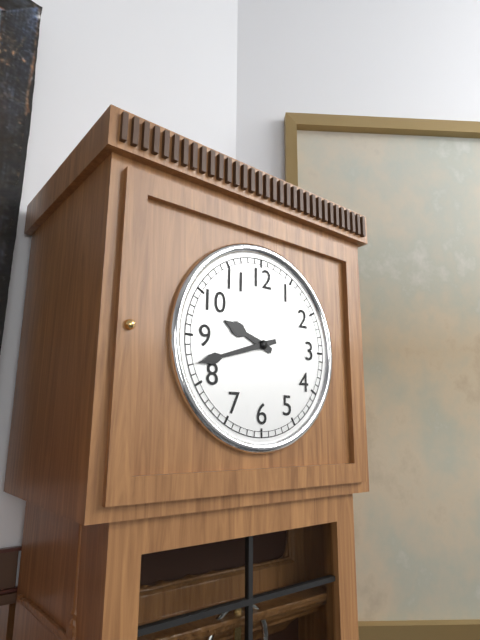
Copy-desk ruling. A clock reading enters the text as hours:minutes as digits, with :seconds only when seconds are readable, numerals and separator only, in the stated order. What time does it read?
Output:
9:42
